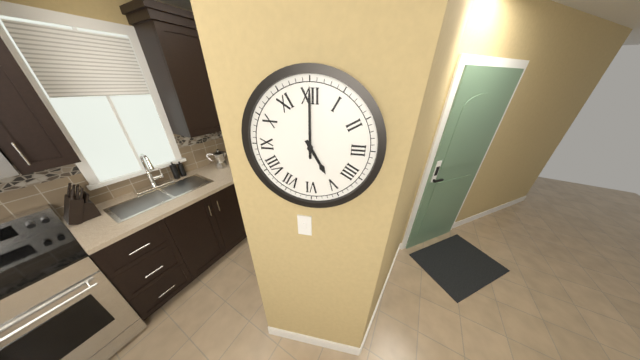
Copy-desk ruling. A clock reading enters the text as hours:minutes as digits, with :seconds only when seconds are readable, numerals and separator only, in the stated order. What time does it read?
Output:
5:00
